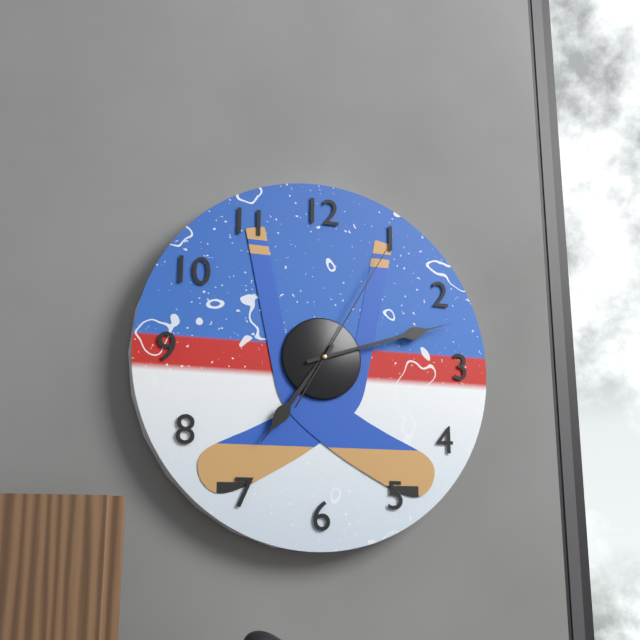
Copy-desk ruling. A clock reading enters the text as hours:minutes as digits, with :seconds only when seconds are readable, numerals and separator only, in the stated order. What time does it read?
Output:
7:12:05
